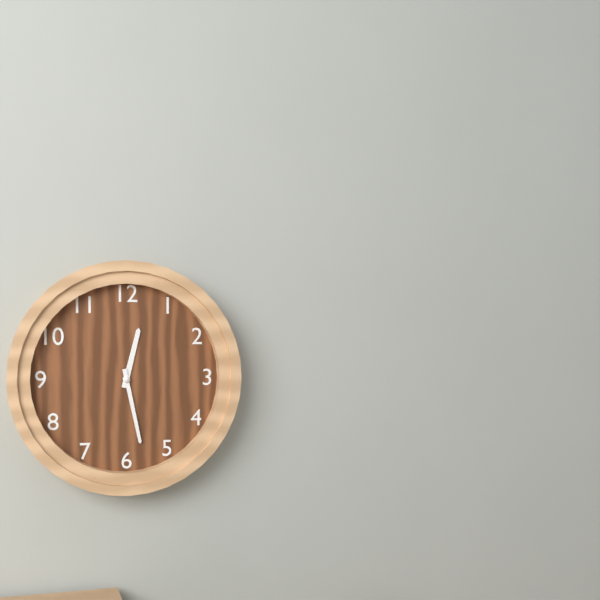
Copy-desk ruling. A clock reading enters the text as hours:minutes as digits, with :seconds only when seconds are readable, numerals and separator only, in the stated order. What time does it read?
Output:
12:28
